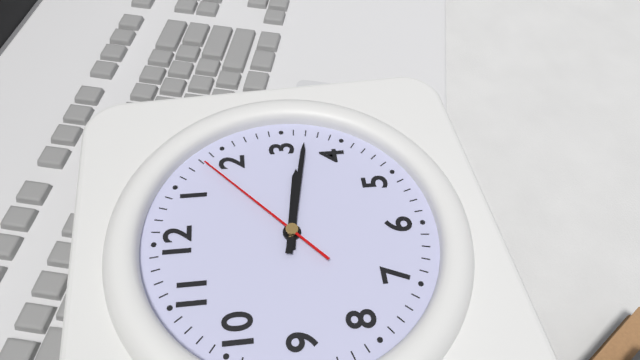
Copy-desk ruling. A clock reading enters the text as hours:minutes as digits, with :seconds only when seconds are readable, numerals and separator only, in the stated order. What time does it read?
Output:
3:17:08
